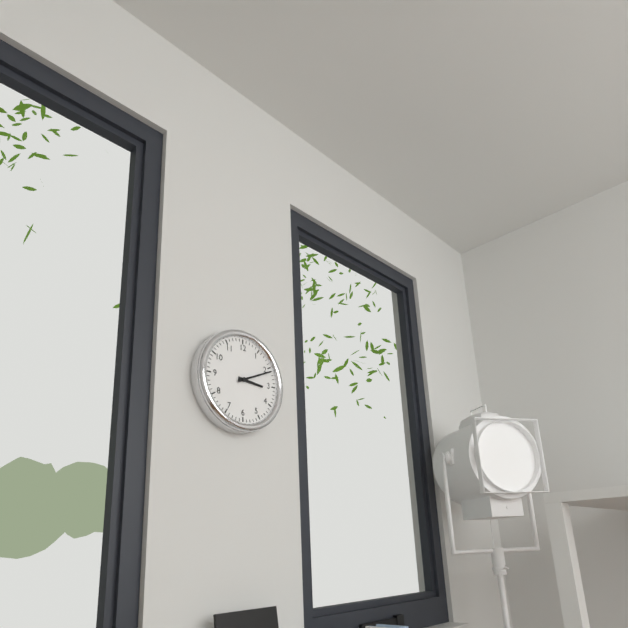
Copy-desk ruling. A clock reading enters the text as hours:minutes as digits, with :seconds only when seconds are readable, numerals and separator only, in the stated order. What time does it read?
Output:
3:11
